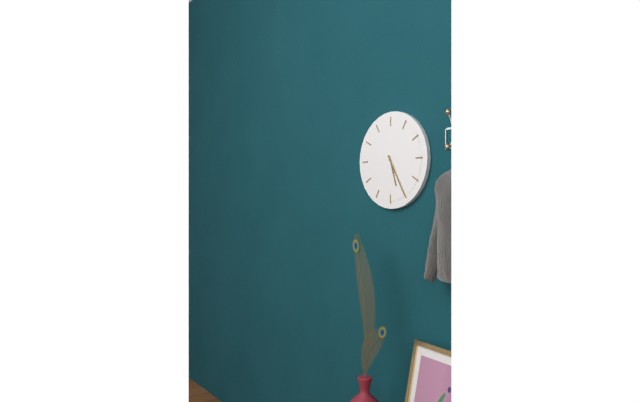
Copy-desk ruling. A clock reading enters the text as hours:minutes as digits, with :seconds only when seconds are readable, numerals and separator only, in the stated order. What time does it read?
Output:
5:25
